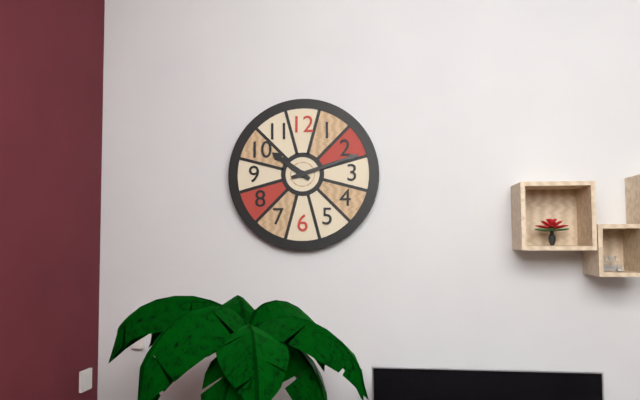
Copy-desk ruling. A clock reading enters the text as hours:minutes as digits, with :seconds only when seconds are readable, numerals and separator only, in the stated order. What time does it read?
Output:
10:12
